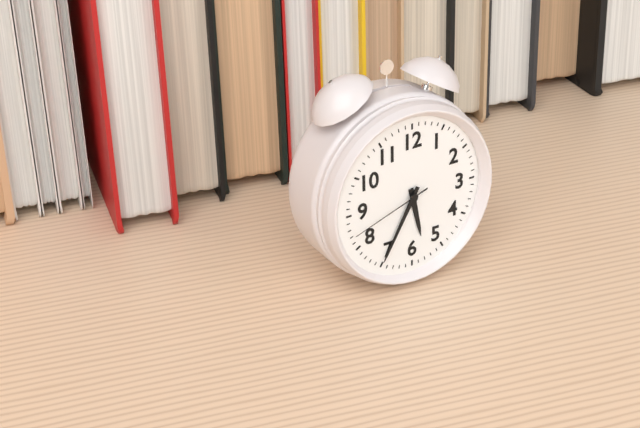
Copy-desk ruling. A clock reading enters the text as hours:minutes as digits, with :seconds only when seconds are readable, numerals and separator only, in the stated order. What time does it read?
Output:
5:35:42
